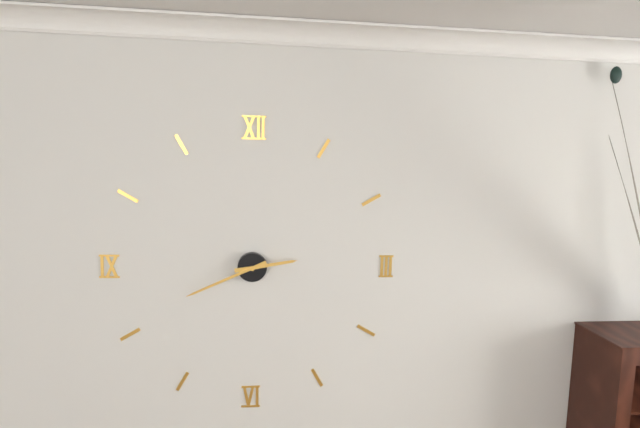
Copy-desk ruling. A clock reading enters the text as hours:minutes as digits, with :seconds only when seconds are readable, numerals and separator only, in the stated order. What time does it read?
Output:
2:41
